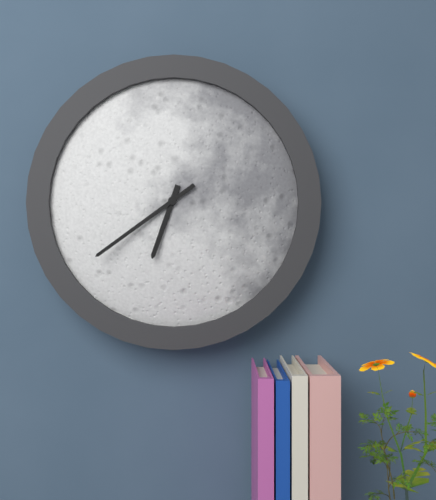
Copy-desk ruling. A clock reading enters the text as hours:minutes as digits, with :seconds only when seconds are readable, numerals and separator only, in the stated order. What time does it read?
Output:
6:39
